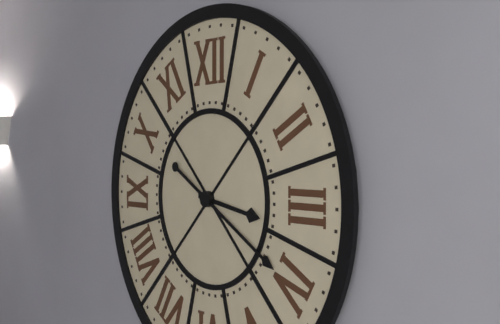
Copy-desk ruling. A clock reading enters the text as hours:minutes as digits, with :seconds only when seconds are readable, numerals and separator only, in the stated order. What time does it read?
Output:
3:20
